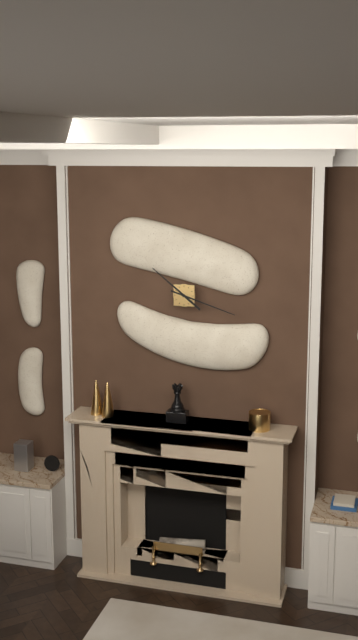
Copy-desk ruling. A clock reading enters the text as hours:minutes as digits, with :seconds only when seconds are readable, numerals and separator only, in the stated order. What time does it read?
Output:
10:18
